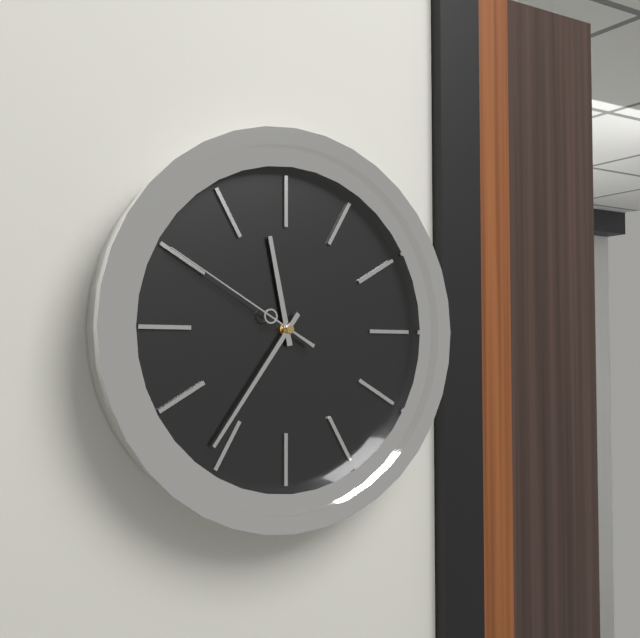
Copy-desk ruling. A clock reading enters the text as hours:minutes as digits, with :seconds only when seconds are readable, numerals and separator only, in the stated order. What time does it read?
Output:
11:36:50
